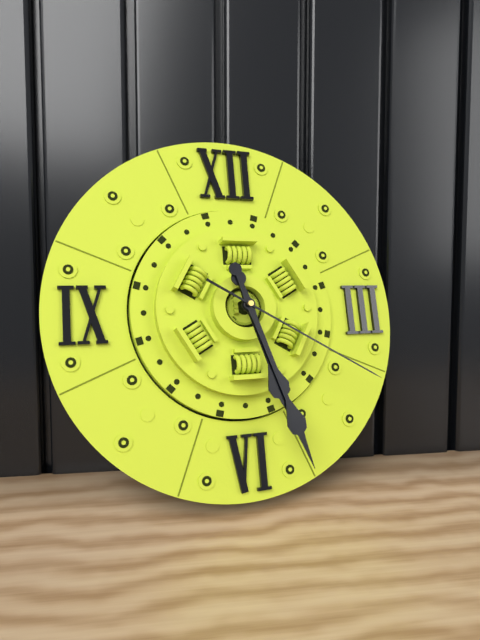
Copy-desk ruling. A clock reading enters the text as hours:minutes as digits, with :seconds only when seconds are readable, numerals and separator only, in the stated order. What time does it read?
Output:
5:27:20
